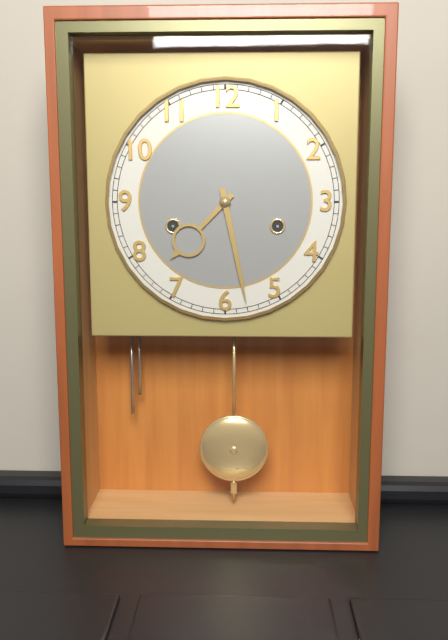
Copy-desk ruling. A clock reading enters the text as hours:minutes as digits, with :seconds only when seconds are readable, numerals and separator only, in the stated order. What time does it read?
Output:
7:28
